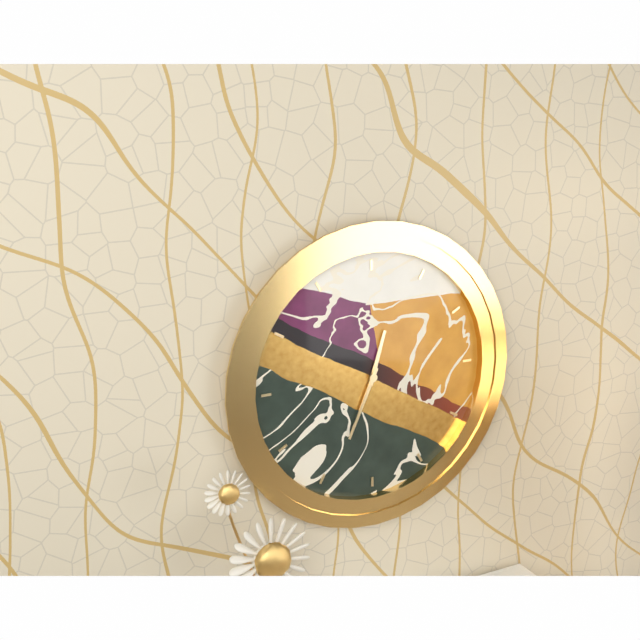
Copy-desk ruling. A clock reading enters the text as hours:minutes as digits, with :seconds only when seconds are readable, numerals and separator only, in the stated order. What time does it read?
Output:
12:34
